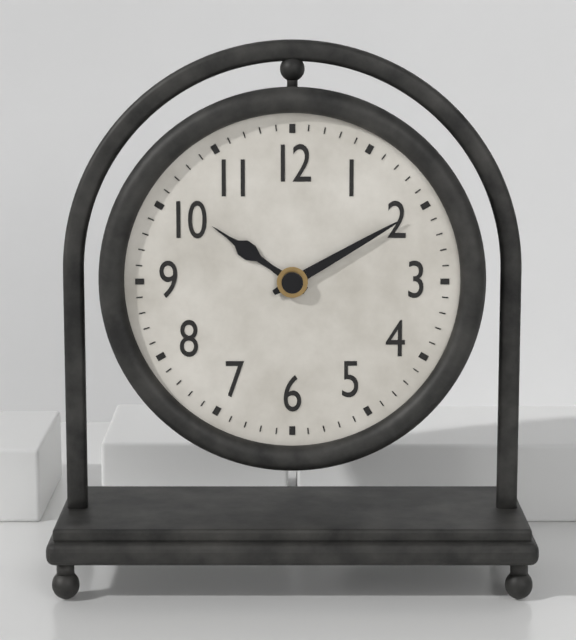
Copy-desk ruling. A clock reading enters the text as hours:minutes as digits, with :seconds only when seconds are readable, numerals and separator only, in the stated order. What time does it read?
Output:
10:10
